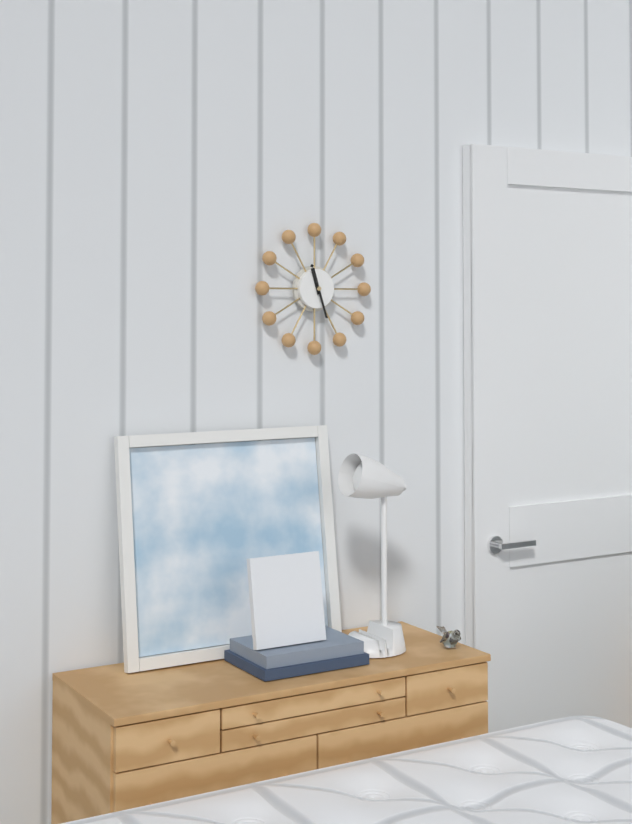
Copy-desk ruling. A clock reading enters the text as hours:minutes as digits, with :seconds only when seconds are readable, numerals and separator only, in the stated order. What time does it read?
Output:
11:27
